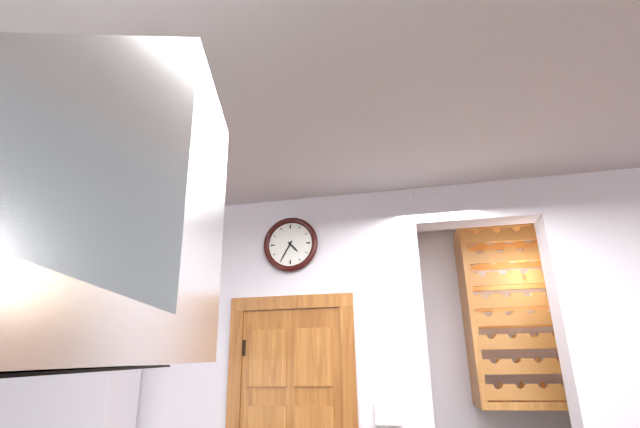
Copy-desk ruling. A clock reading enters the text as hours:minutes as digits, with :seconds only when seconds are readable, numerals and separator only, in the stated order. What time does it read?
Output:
4:35
